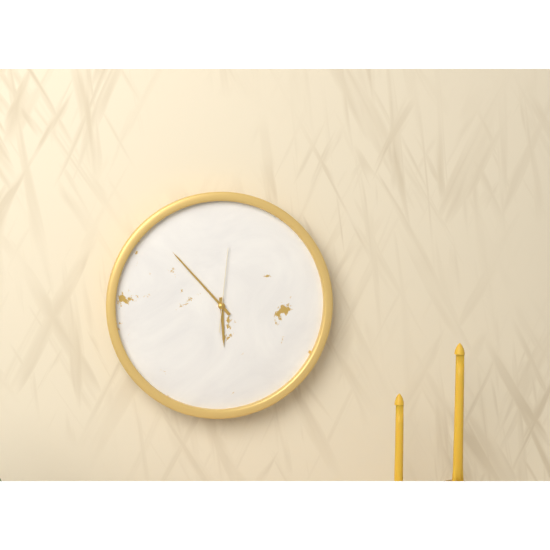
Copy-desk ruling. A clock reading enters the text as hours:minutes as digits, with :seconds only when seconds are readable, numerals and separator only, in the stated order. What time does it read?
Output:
5:53:01
